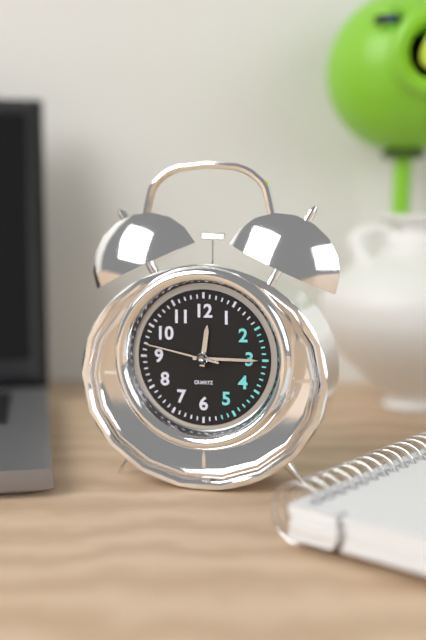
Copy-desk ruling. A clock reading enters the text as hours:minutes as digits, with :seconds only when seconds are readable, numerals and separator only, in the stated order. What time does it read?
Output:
12:15:47
